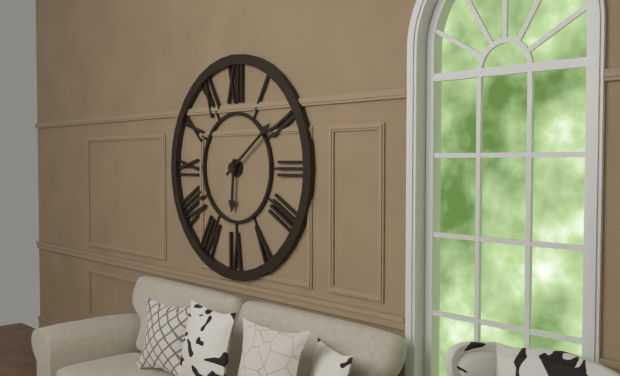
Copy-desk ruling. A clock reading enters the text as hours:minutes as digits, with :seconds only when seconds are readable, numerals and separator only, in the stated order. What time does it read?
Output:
6:09
